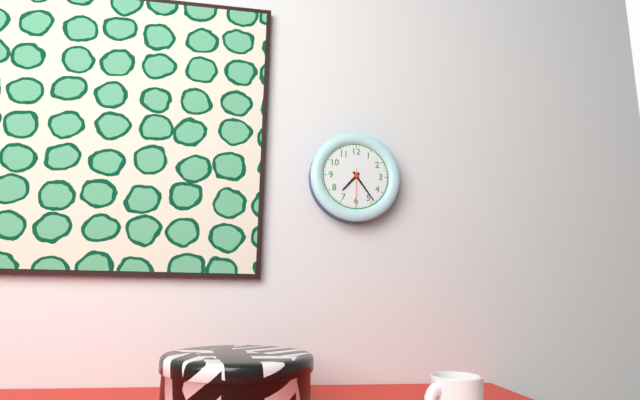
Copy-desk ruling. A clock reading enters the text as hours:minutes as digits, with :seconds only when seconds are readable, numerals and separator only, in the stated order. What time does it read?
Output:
7:24
